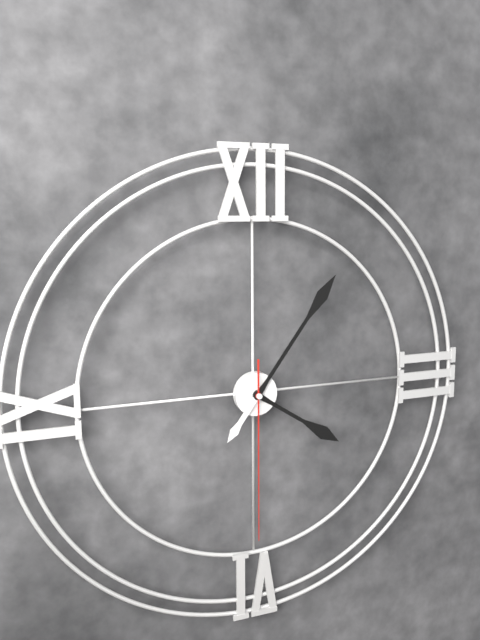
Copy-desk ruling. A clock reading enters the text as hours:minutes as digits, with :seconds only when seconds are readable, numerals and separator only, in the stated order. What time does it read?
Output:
4:06:30
